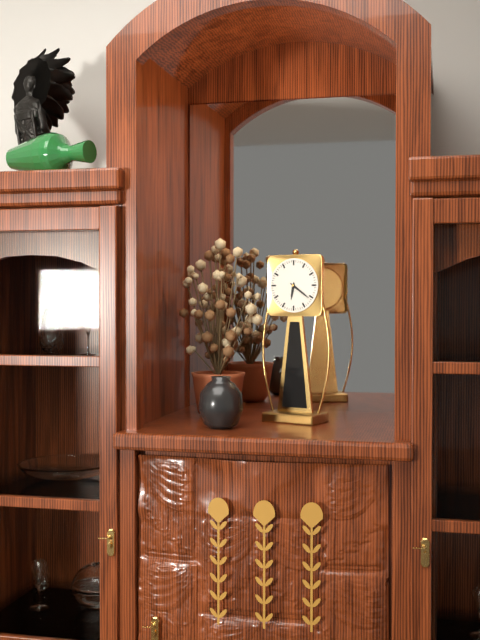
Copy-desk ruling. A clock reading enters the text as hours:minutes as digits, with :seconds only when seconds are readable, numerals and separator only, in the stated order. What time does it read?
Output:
6:21
